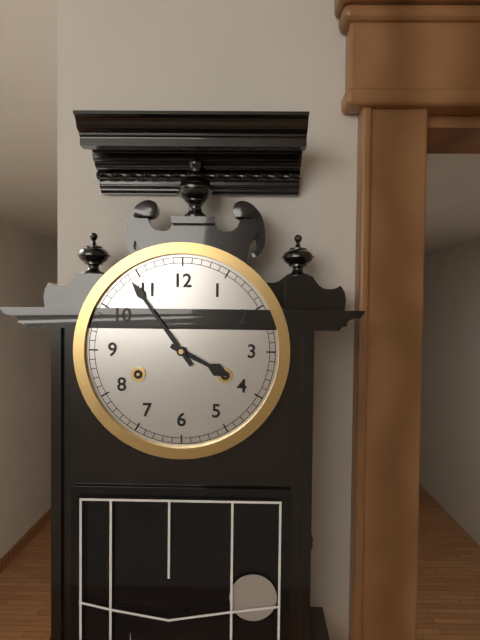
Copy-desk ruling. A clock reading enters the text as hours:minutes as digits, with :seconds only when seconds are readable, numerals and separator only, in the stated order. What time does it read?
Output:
3:54
